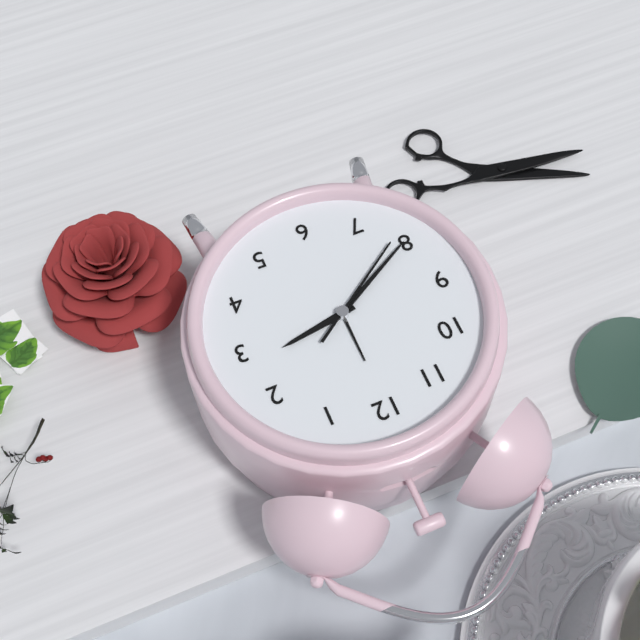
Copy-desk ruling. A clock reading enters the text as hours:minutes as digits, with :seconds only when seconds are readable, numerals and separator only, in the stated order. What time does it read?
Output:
2:40:39
